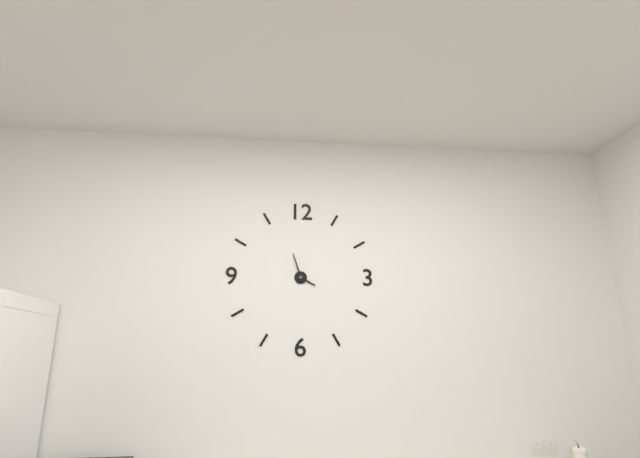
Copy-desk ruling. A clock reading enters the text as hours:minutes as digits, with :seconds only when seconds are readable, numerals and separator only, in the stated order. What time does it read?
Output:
3:57
